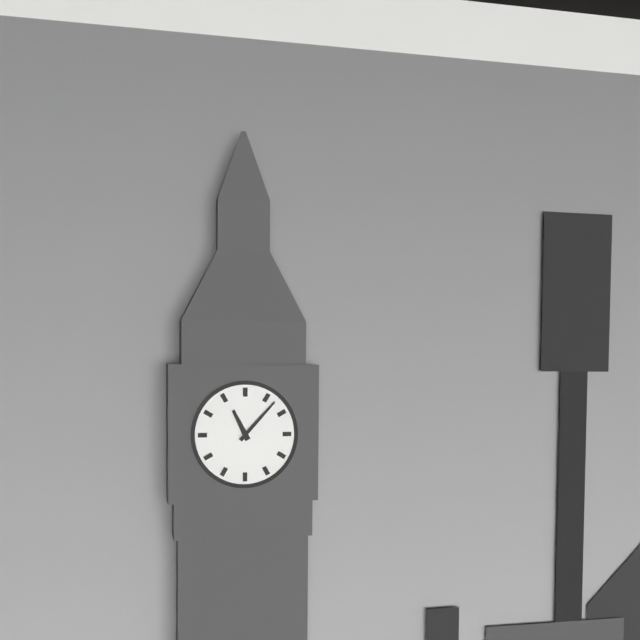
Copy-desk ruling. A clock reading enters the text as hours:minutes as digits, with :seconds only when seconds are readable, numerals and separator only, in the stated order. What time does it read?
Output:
11:07
